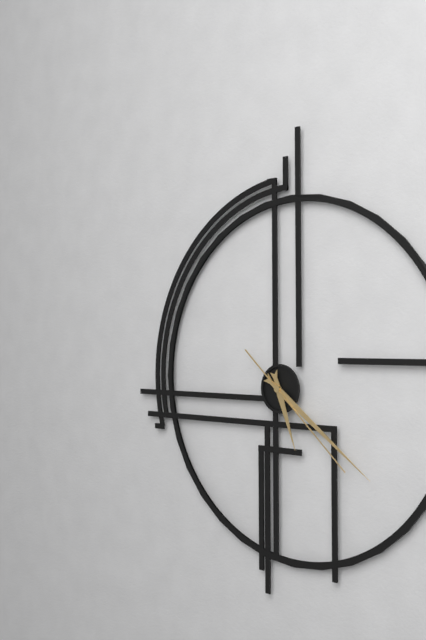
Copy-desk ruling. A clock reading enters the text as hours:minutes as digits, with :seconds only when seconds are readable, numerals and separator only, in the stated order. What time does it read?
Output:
5:21:22
